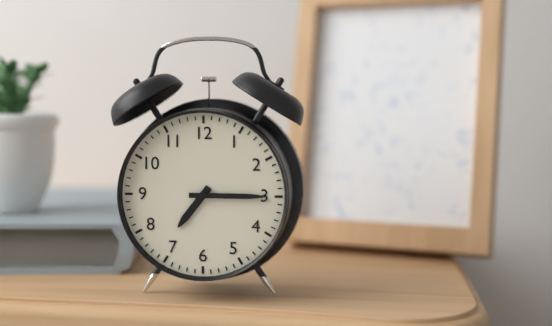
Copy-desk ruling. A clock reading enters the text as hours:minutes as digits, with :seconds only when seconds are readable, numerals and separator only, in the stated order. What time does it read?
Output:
7:15
